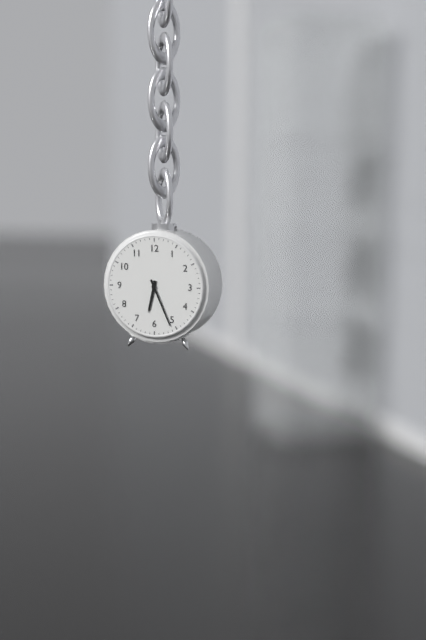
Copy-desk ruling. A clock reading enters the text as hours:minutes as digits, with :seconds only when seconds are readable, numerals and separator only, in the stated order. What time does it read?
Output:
6:26
